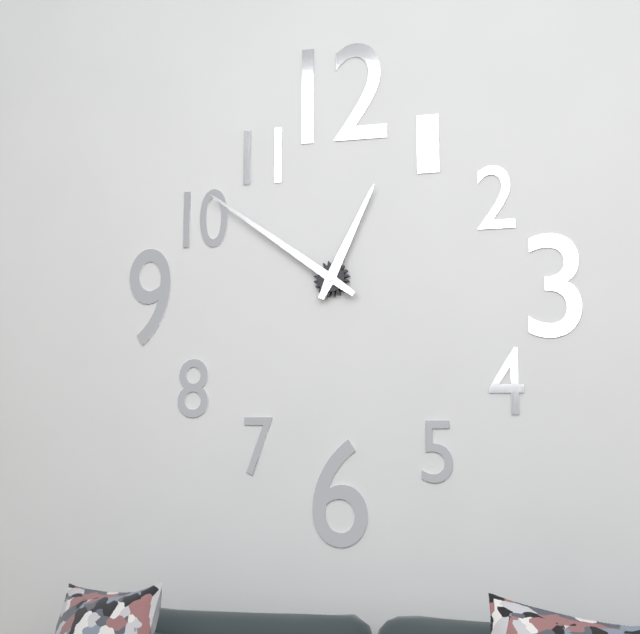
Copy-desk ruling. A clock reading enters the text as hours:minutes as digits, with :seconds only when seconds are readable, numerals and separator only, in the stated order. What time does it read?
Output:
12:51
